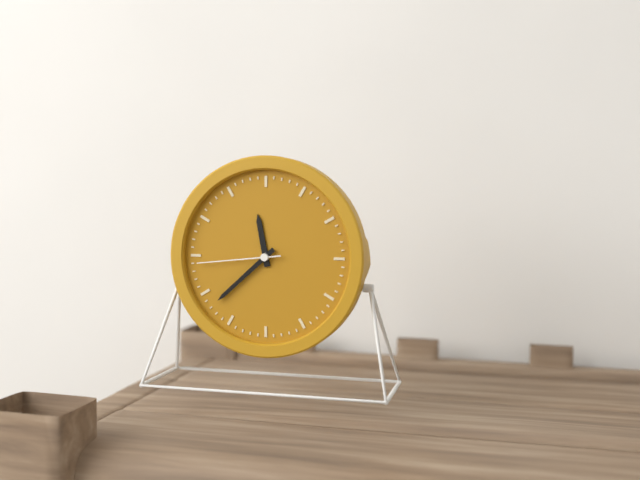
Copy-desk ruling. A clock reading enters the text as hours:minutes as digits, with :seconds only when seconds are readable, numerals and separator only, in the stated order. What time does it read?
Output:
11:38:44
